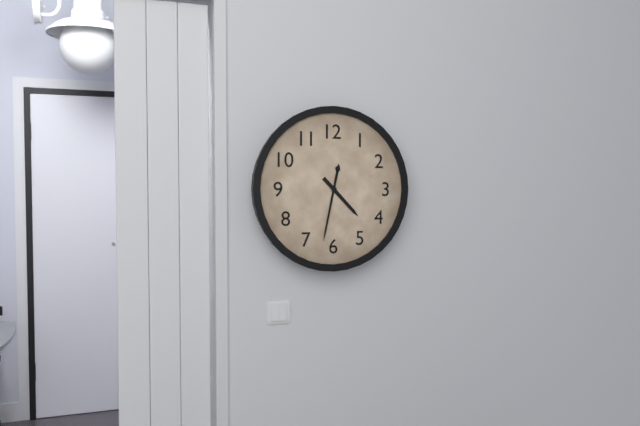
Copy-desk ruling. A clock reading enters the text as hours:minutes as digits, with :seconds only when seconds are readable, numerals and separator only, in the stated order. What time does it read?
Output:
4:32
